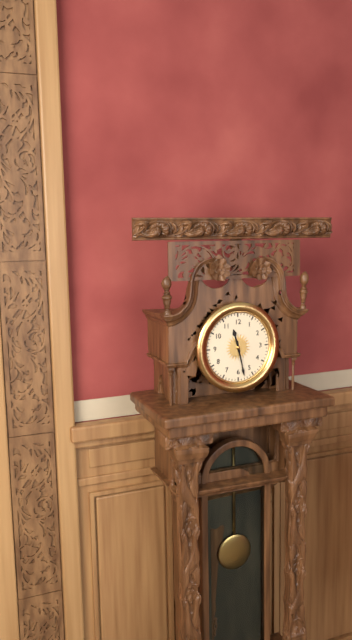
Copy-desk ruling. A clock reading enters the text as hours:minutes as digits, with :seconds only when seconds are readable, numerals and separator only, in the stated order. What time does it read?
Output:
11:28
